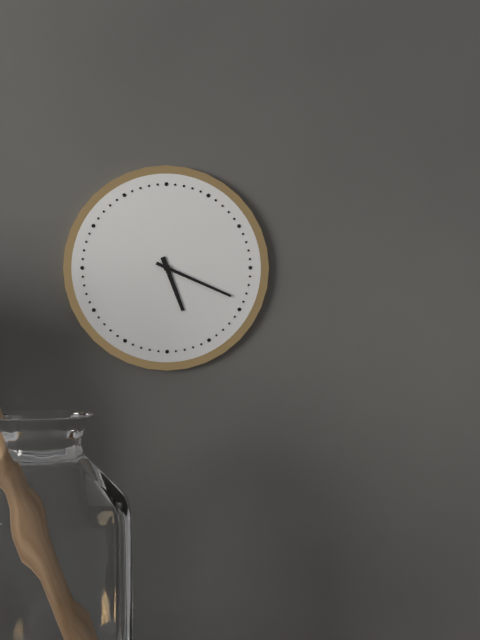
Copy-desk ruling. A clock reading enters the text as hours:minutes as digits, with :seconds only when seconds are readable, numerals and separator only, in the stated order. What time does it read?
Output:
5:19
